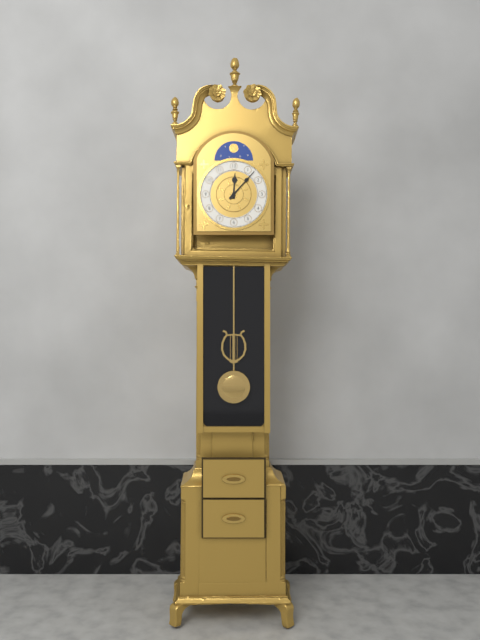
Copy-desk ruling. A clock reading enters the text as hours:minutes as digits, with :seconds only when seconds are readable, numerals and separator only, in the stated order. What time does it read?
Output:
12:07
